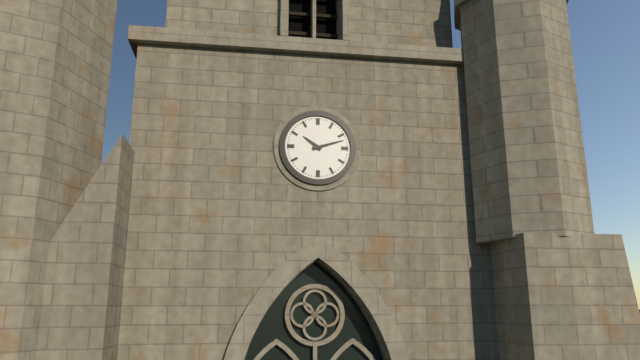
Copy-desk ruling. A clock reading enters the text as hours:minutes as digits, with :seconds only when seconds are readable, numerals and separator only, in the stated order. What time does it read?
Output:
10:12
